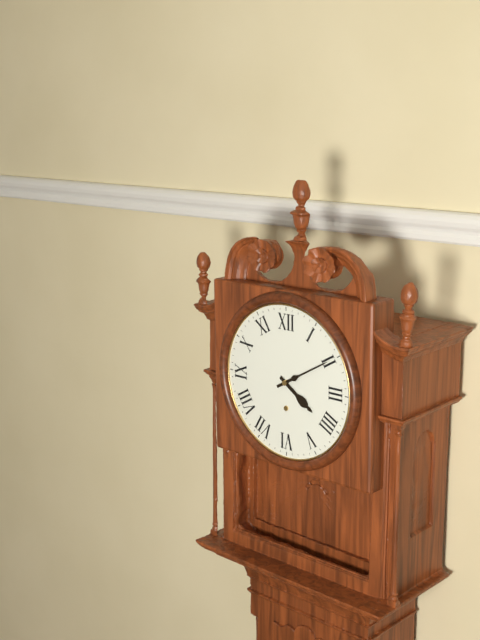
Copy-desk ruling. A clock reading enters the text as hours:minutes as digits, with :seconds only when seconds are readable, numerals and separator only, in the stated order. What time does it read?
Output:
4:10
